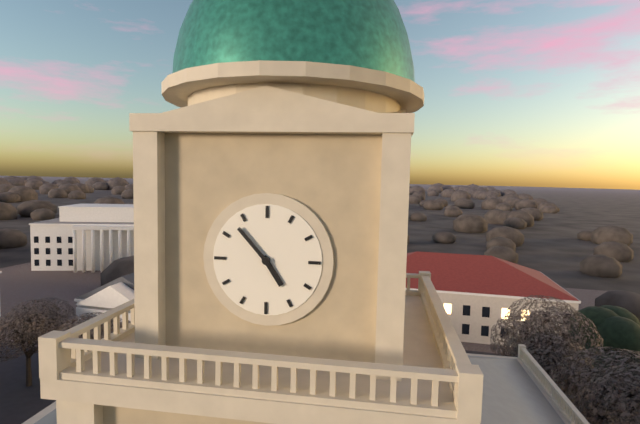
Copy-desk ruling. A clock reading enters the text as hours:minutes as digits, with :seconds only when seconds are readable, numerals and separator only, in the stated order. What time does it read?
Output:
4:53
